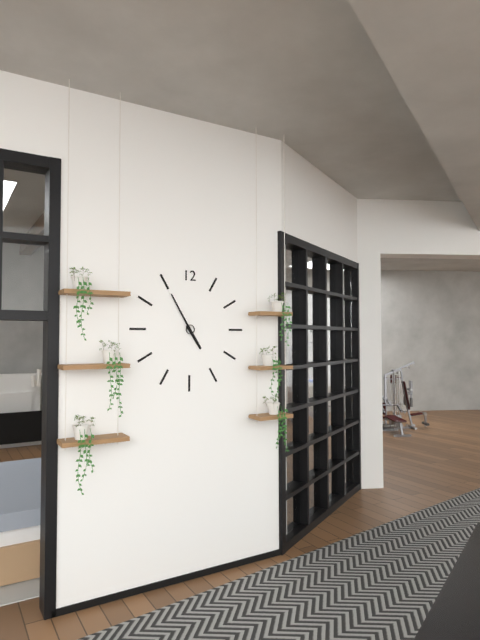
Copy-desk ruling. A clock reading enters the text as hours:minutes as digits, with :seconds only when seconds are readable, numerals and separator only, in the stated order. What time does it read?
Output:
4:55
